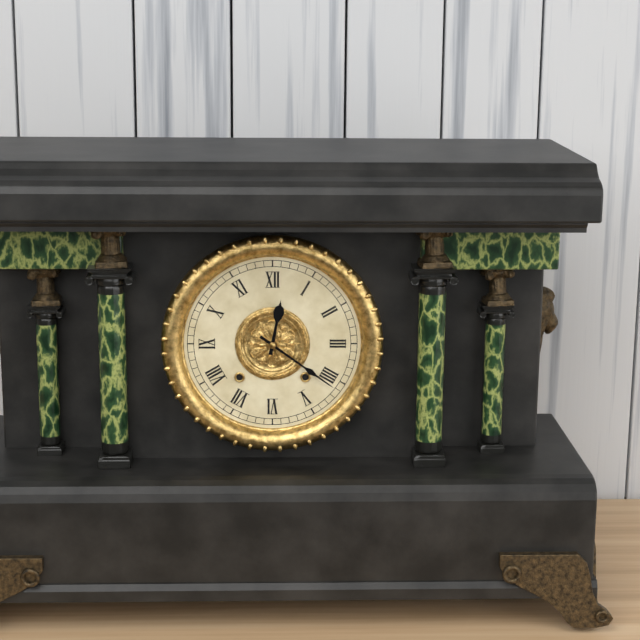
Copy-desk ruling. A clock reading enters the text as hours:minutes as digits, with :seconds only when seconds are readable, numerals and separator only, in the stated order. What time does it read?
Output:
12:21
